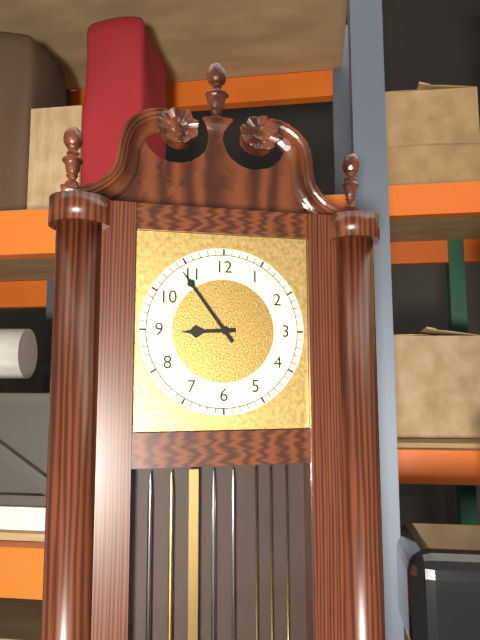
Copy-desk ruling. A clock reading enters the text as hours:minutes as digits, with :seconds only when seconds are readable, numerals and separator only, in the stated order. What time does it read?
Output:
8:54
